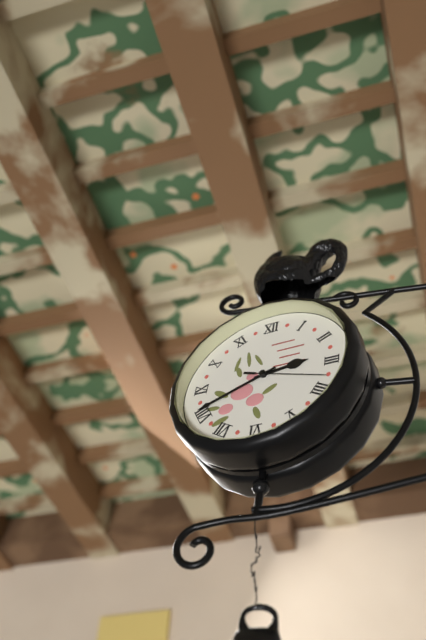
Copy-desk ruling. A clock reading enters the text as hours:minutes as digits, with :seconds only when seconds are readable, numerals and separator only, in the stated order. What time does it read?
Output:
2:41:18
